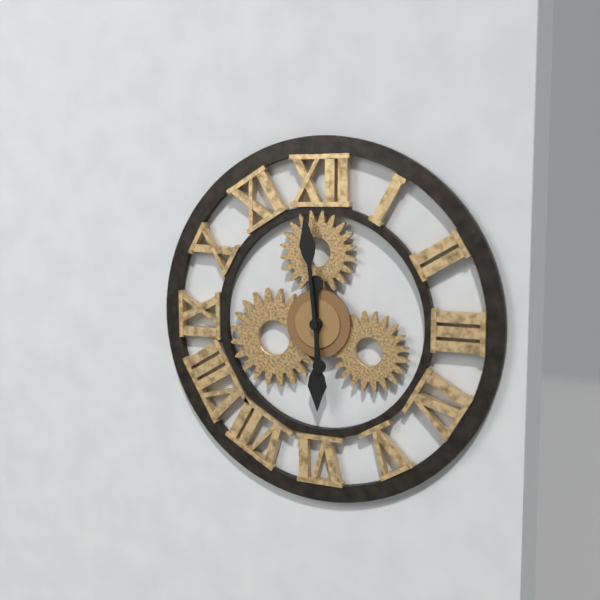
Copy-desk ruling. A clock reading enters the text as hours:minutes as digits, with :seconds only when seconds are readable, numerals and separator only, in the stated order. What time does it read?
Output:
5:59
